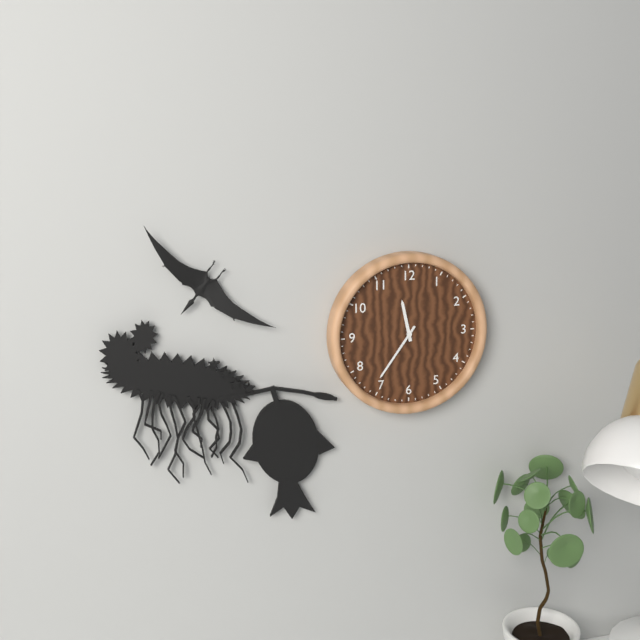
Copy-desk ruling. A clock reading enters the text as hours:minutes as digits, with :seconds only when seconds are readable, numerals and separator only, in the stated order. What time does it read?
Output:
11:36
